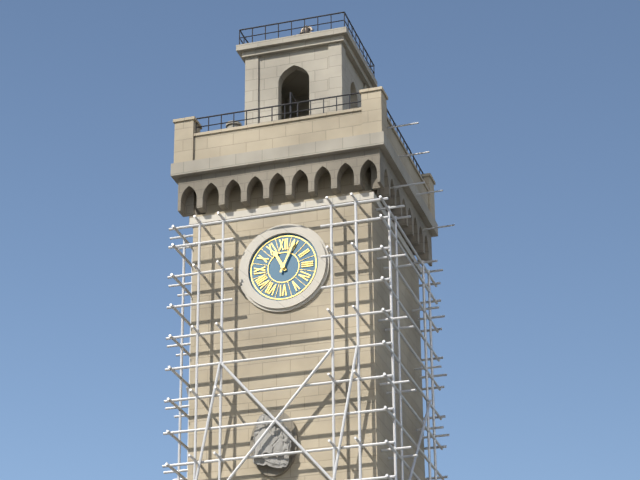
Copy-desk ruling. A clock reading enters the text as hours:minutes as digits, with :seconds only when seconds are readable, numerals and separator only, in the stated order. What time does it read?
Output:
11:04
